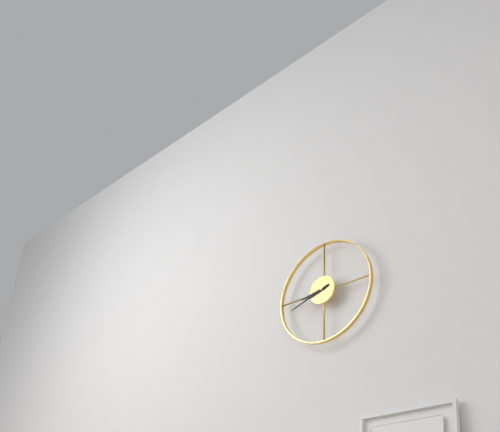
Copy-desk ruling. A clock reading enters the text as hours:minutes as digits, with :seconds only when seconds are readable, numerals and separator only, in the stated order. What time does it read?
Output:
8:42
